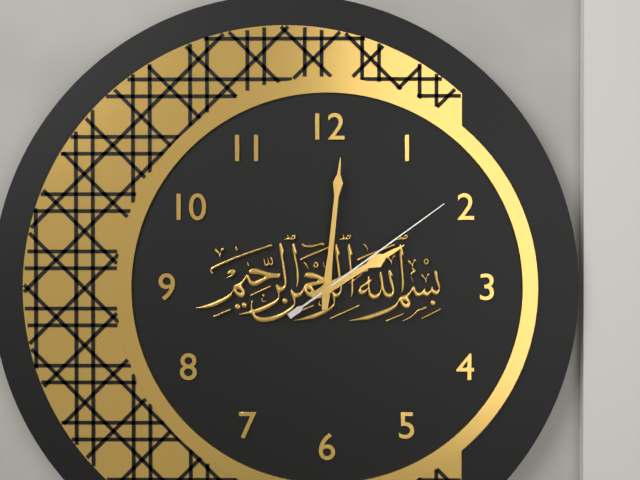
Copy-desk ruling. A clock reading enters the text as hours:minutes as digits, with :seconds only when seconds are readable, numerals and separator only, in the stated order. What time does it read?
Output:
2:01:09
